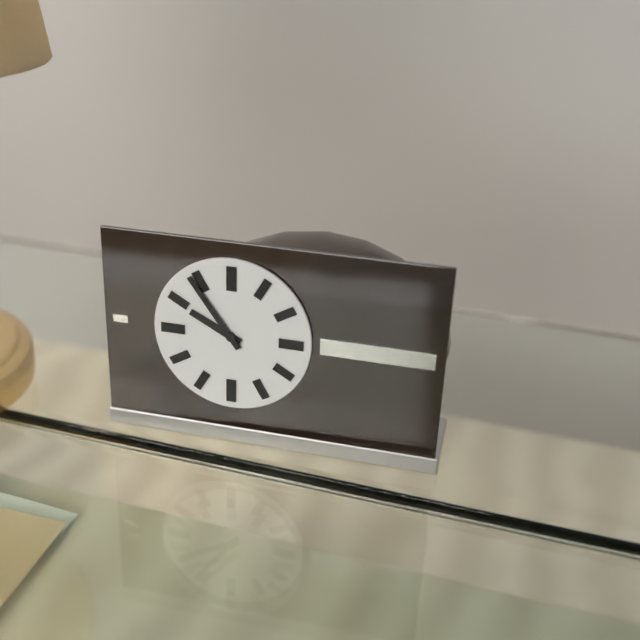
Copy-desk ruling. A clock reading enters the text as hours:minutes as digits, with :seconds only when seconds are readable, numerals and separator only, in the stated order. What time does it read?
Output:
9:54
